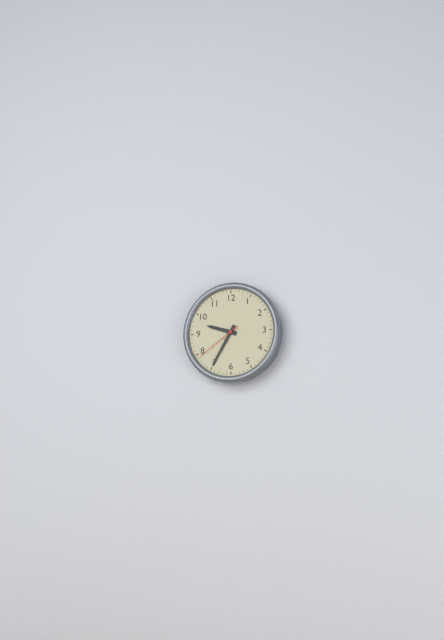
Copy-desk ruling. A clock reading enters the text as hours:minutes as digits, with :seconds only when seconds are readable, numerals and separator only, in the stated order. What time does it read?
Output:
9:35
